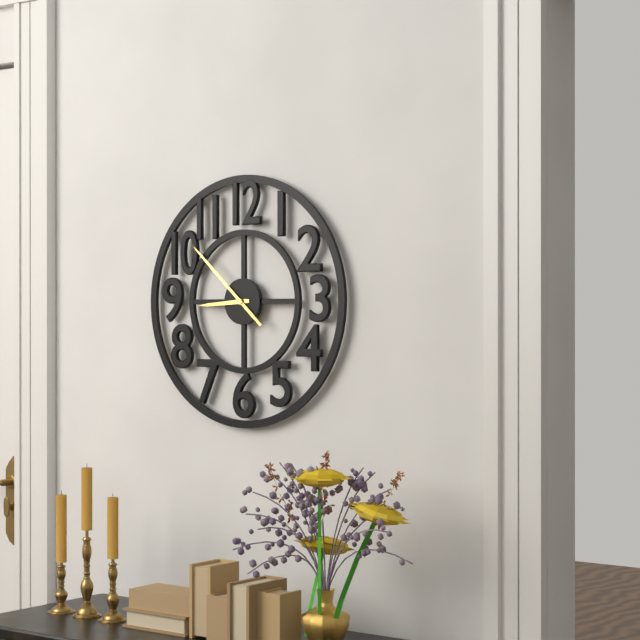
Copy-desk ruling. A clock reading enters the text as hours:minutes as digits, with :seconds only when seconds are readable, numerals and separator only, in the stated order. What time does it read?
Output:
8:52
